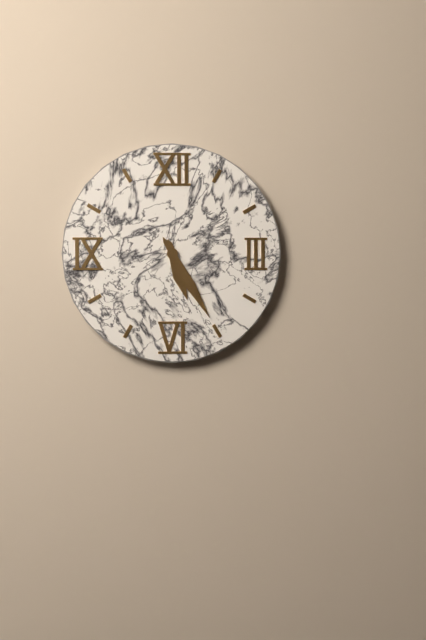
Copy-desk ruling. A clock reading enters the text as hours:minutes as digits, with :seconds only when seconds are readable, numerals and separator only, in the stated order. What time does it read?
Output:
5:25
